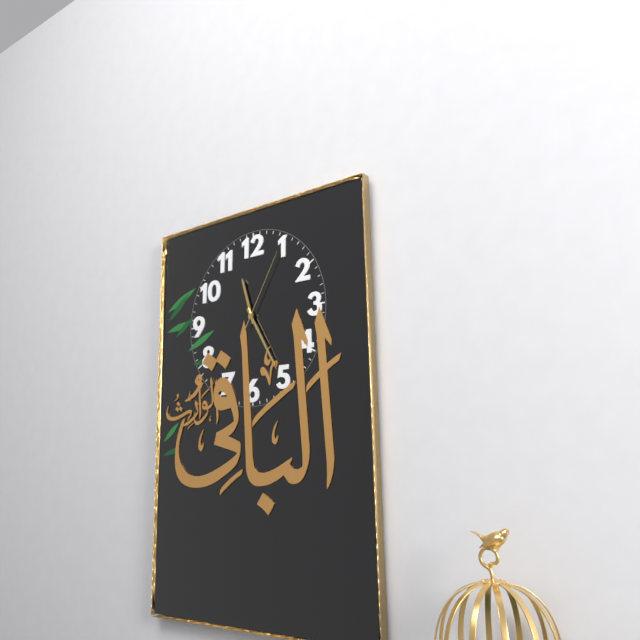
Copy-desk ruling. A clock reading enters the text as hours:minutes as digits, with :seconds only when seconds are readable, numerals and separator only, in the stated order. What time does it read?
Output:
11:25:05
